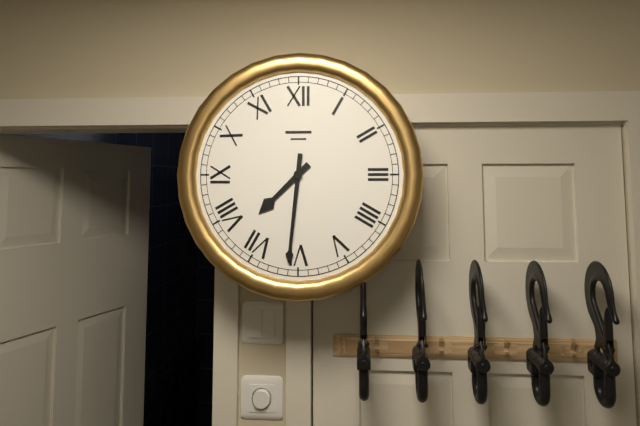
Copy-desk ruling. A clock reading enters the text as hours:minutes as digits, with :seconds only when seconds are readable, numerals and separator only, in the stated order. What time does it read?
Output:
7:31
